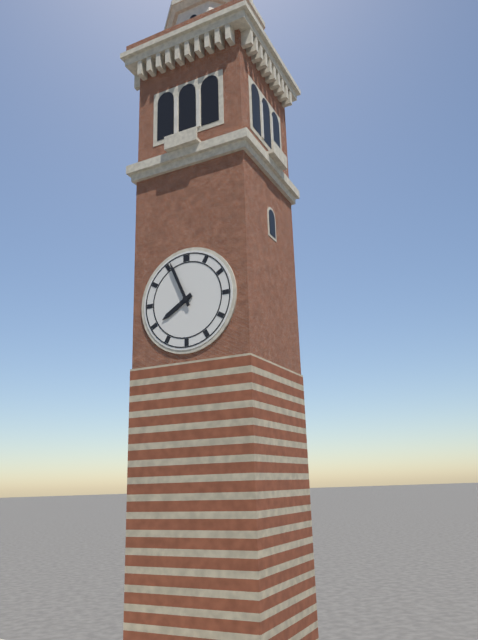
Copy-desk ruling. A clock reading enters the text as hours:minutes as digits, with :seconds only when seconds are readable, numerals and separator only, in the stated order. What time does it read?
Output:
7:56
